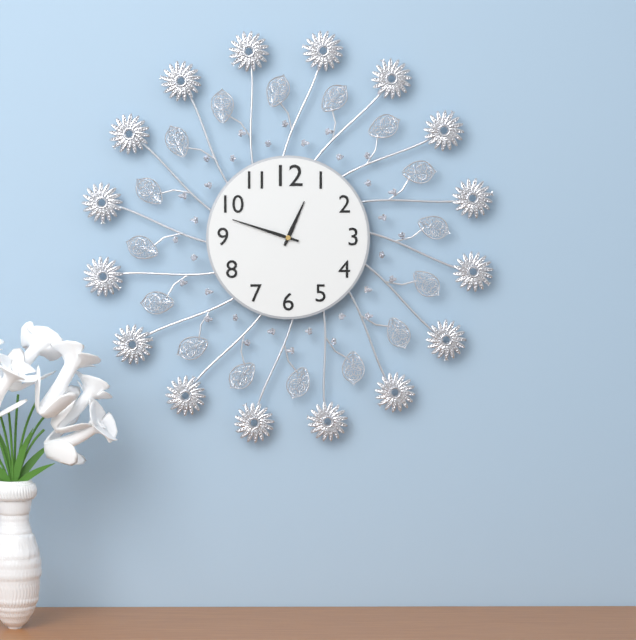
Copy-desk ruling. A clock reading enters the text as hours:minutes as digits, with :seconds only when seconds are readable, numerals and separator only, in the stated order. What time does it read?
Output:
12:48
